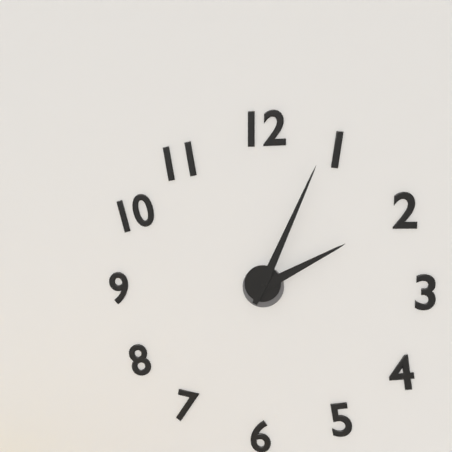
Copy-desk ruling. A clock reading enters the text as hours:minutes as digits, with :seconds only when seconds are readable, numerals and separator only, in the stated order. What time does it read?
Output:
2:04
